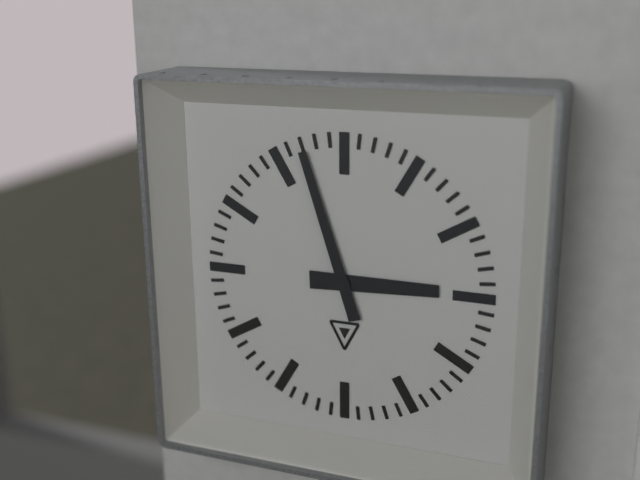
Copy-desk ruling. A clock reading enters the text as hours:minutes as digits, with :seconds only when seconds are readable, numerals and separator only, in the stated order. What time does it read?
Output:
2:57
